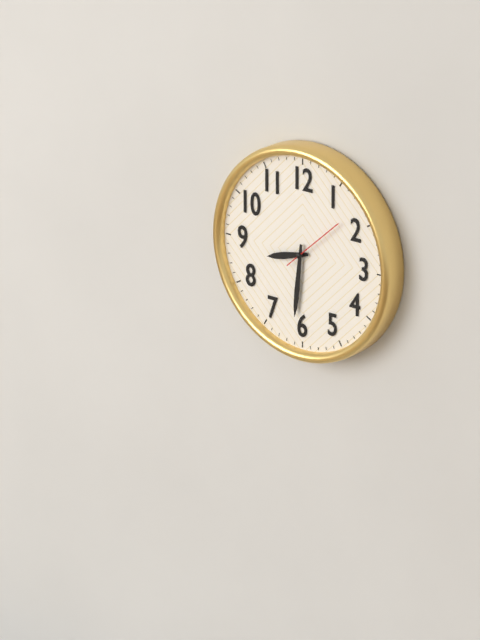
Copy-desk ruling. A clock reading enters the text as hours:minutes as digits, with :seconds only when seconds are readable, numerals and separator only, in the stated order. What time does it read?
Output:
8:31:08
